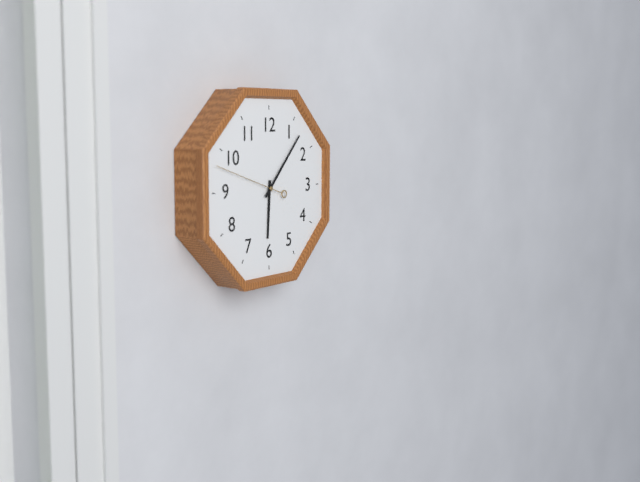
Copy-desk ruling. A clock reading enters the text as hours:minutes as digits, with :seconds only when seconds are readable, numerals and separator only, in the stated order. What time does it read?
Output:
6:07
